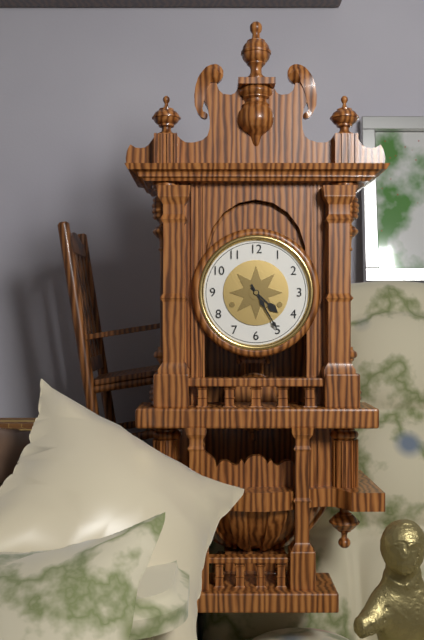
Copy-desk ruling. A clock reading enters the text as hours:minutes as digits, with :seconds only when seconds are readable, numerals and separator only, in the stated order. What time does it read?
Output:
4:25
